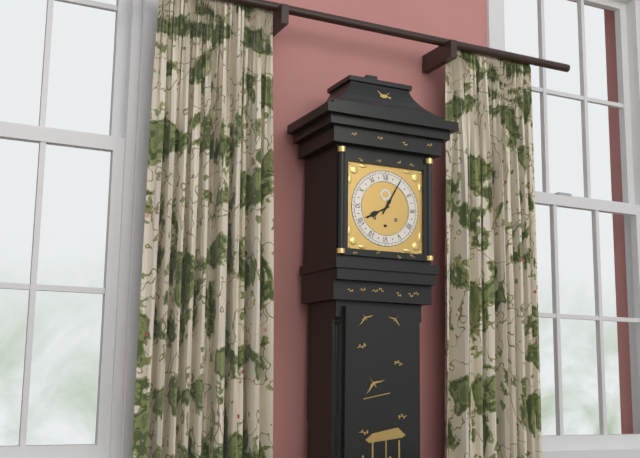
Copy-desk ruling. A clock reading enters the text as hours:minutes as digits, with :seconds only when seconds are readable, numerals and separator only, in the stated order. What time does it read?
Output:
8:05
